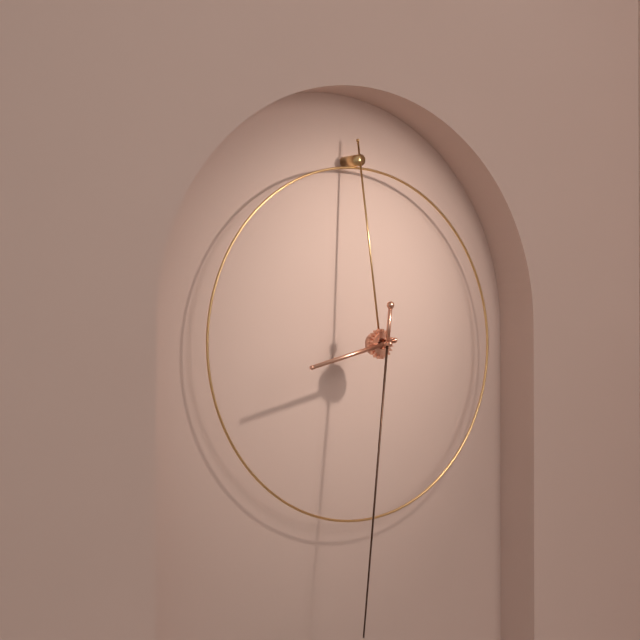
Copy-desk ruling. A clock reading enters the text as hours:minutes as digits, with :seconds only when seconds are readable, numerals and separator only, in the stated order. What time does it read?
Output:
8:31
